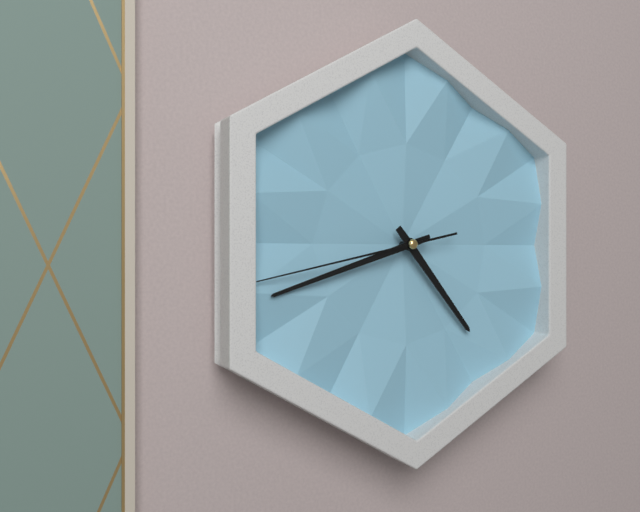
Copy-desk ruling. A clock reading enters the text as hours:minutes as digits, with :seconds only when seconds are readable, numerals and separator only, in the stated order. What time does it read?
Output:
4:42:43
